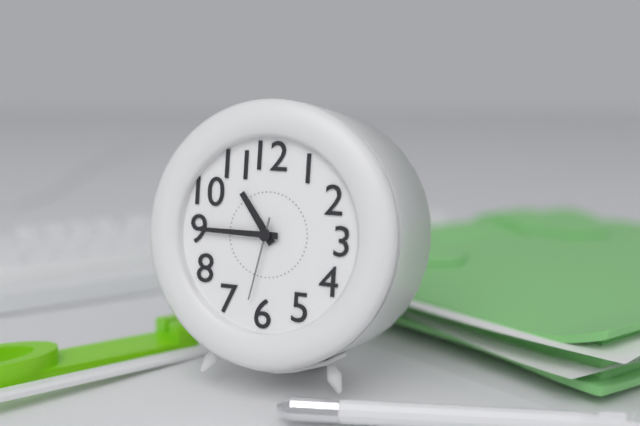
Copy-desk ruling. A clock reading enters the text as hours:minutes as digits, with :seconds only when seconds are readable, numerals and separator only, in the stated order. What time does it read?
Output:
10:45:32
